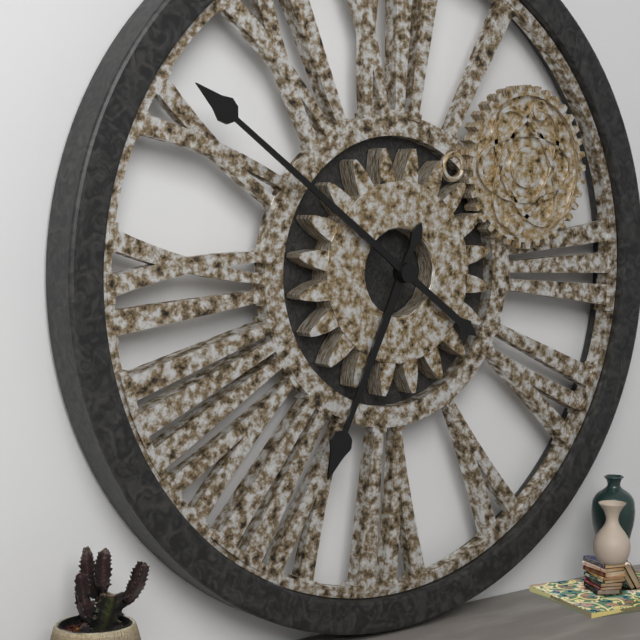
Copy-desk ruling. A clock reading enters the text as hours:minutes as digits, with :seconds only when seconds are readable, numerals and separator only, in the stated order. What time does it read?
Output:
6:51
